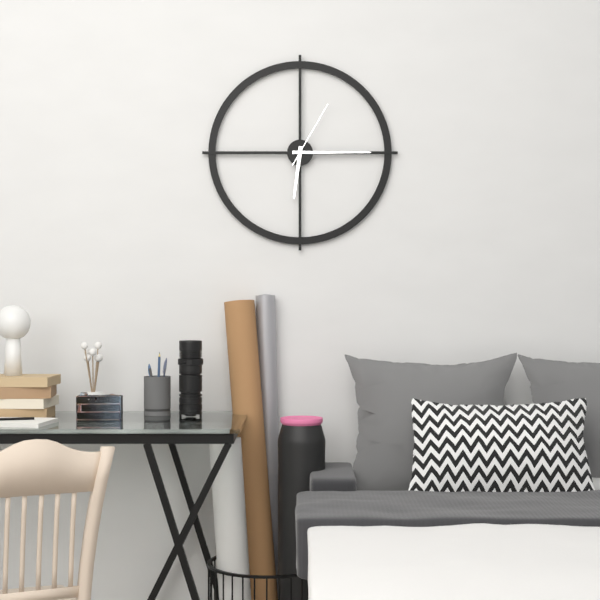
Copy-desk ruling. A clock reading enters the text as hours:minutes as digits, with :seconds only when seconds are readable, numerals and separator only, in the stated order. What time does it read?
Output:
6:15:05
